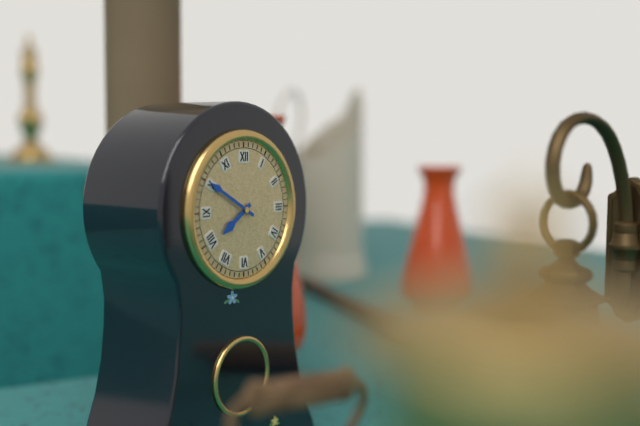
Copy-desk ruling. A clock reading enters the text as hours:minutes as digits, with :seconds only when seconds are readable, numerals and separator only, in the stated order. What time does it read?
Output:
7:50
